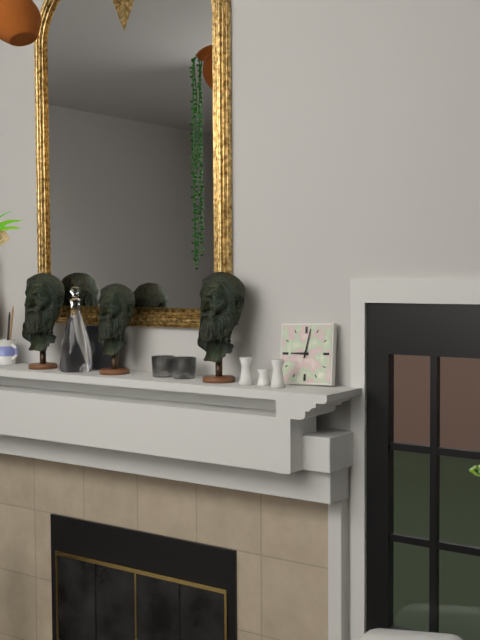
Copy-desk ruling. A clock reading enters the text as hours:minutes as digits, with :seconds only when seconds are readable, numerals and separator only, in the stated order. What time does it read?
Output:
9:02
